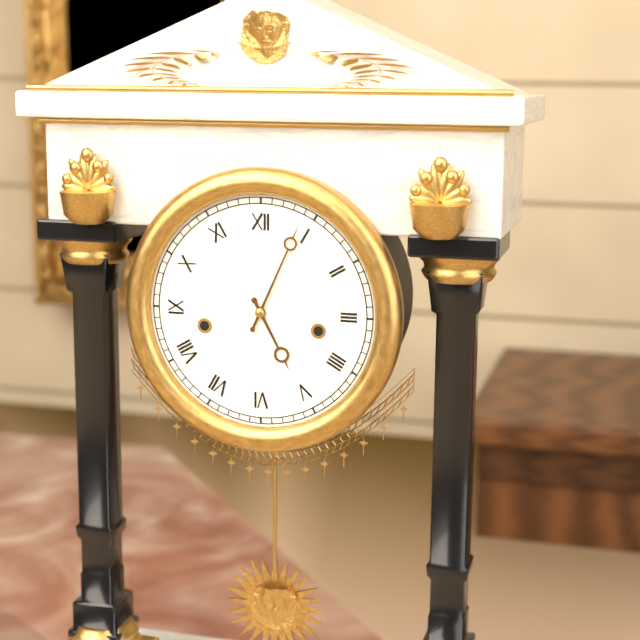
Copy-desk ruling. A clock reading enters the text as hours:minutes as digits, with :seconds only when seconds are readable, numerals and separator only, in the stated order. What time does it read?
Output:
5:04
